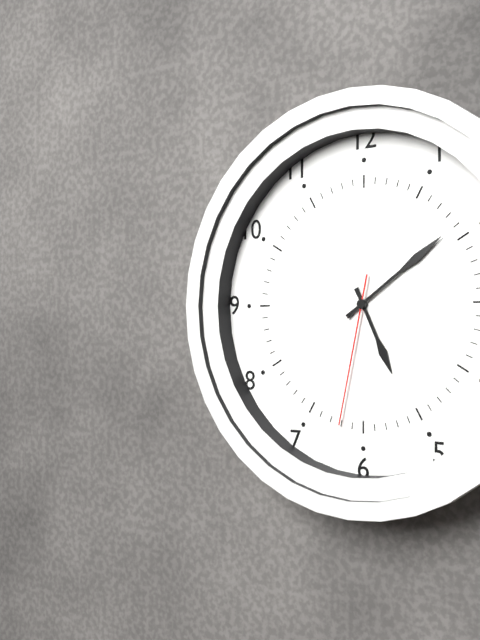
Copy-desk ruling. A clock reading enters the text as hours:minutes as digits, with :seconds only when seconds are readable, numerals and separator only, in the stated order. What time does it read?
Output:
5:09:32
